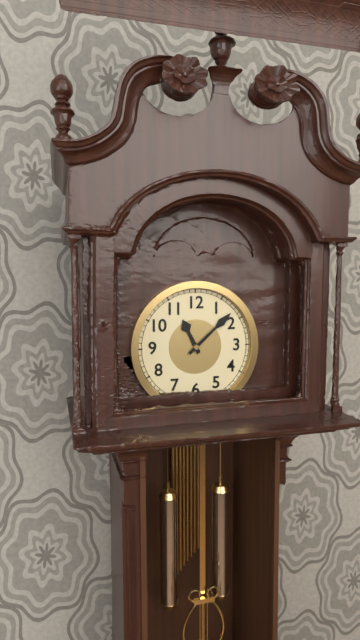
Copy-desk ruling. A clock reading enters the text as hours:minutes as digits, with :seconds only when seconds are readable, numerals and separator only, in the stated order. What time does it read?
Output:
11:08
